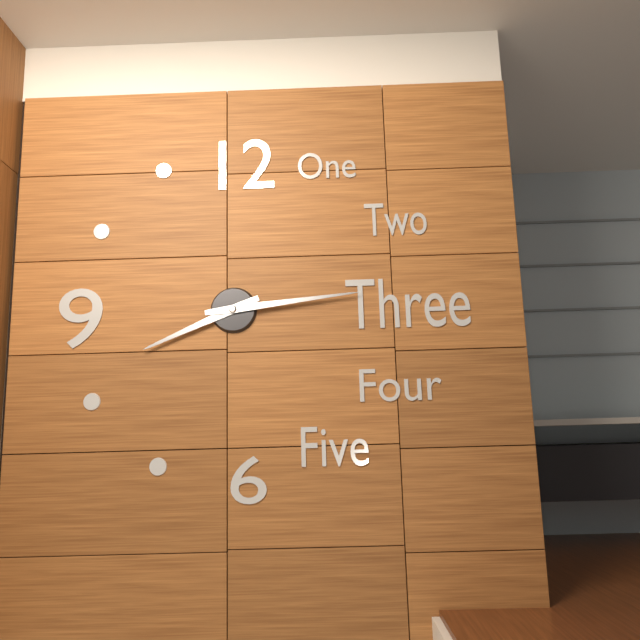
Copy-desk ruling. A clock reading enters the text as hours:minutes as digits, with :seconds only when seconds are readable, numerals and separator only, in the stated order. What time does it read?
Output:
8:14
